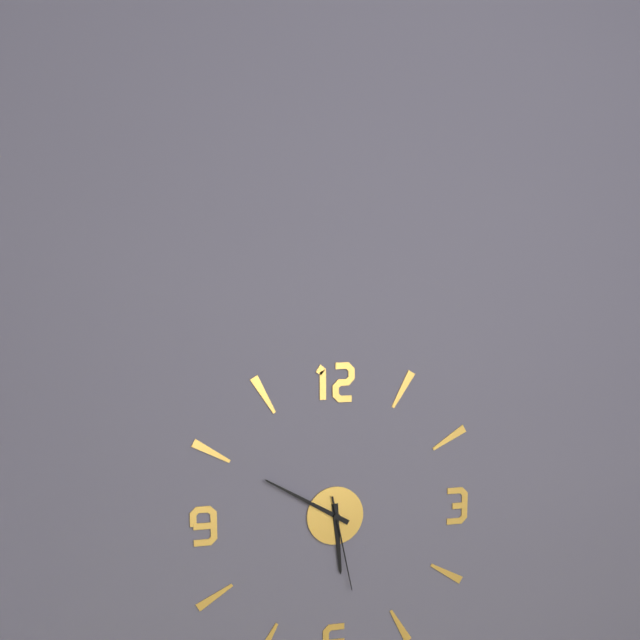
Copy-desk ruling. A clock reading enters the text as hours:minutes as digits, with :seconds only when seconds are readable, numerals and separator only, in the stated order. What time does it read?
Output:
5:50:28
